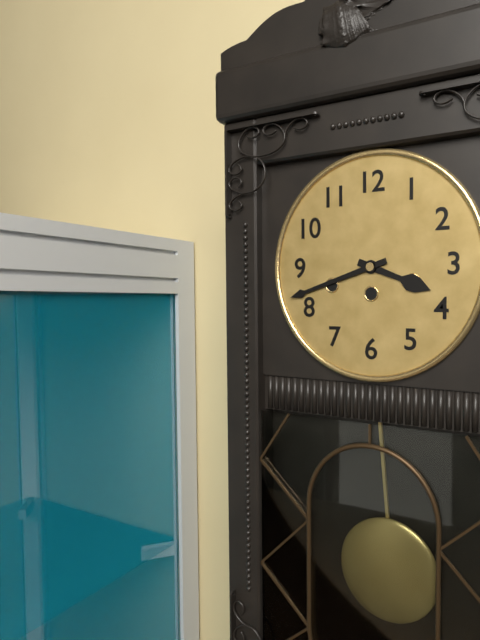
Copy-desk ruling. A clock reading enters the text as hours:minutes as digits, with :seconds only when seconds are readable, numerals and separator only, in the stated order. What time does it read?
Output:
3:42
